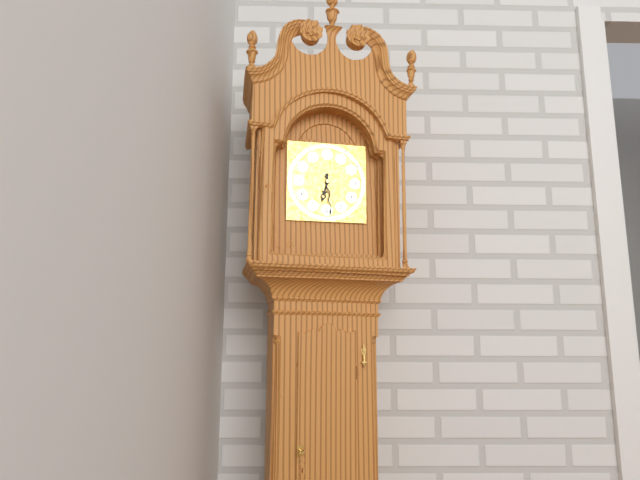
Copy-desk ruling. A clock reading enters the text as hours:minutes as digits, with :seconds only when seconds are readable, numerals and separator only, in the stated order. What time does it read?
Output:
6:29
